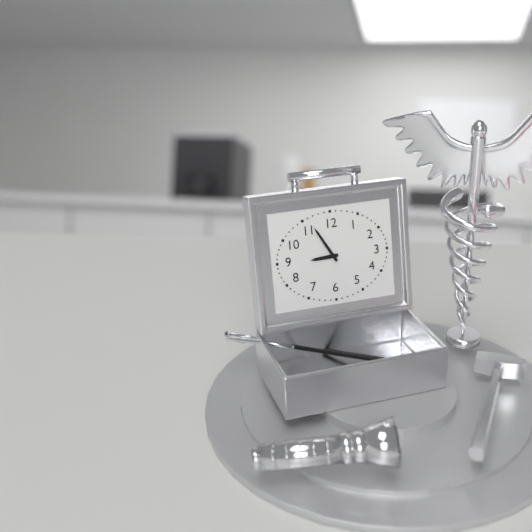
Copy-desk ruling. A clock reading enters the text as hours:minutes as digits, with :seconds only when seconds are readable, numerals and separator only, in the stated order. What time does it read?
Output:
8:55
